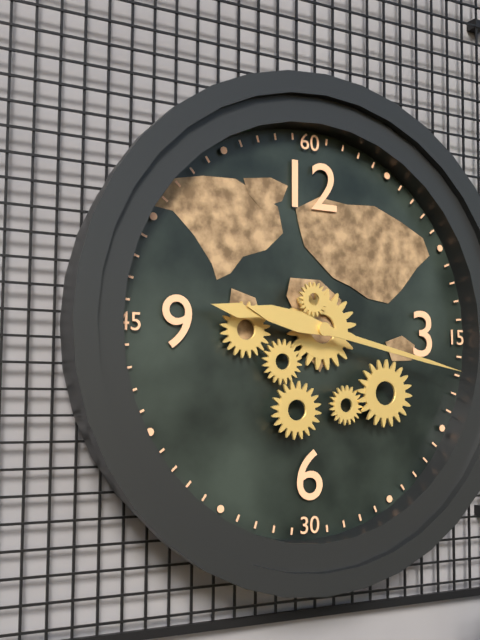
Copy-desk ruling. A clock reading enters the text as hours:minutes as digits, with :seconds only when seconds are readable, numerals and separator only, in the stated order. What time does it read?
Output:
9:17
